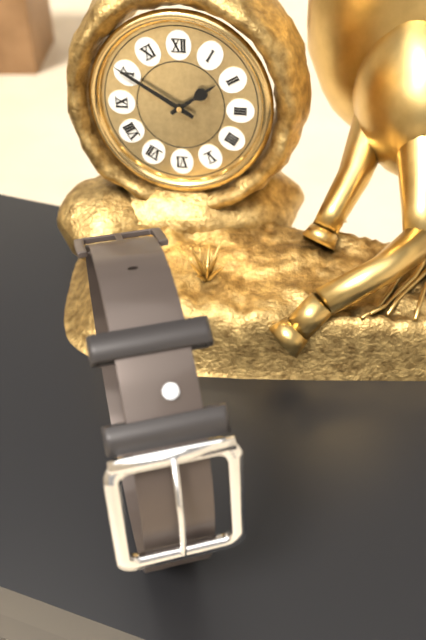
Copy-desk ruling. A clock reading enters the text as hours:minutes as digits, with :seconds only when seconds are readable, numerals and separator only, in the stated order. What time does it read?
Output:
1:50
